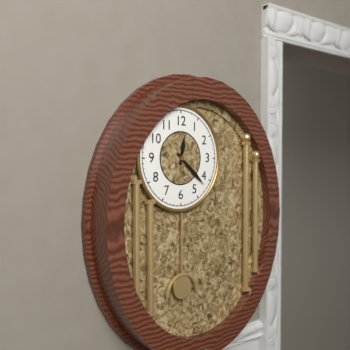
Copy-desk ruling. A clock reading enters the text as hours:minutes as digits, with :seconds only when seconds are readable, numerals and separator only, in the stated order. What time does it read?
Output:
12:22
